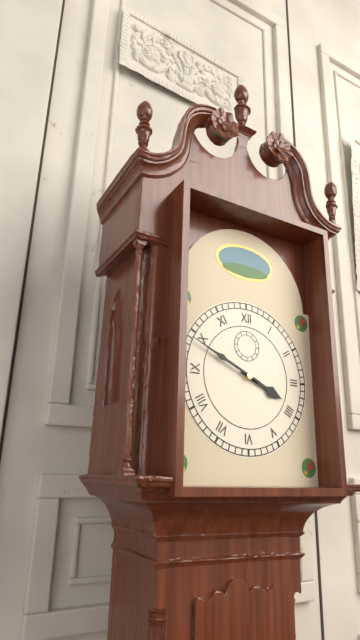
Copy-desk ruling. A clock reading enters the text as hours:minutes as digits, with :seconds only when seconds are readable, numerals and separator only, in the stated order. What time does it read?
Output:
3:49
